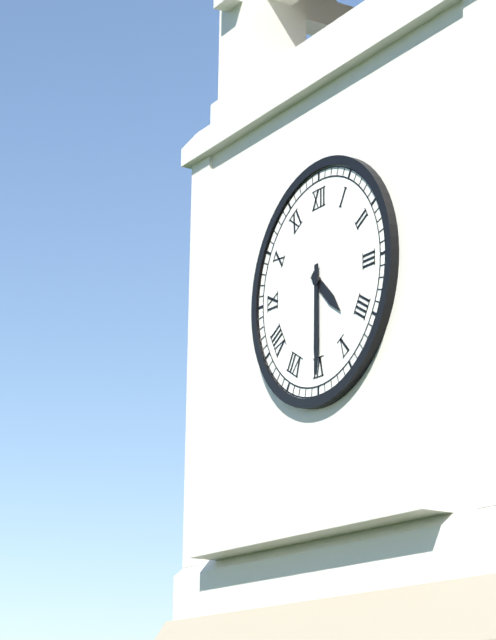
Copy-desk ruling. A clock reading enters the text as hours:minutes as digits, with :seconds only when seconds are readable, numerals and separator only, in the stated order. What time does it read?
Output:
4:30
